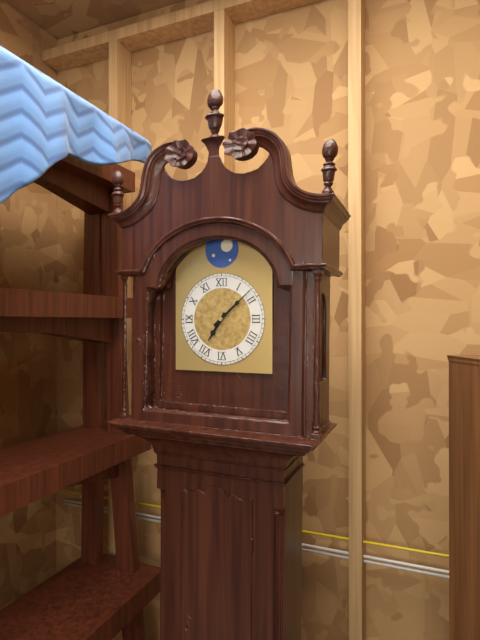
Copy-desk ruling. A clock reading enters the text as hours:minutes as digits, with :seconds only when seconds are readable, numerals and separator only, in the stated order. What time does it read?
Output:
7:08
